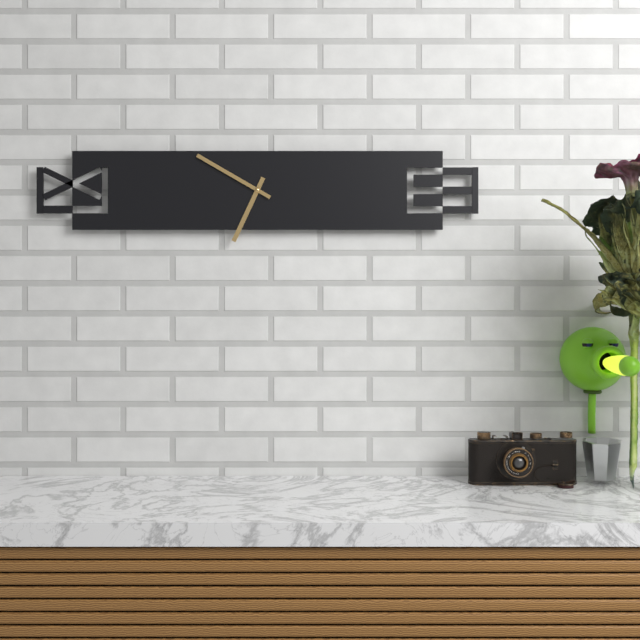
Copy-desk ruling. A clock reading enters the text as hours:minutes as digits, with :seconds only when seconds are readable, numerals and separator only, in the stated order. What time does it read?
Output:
6:50
